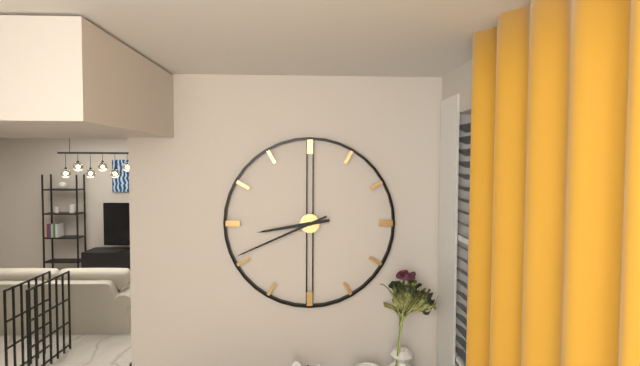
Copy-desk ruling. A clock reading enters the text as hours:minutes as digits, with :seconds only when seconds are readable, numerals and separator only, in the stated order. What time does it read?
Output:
8:41
